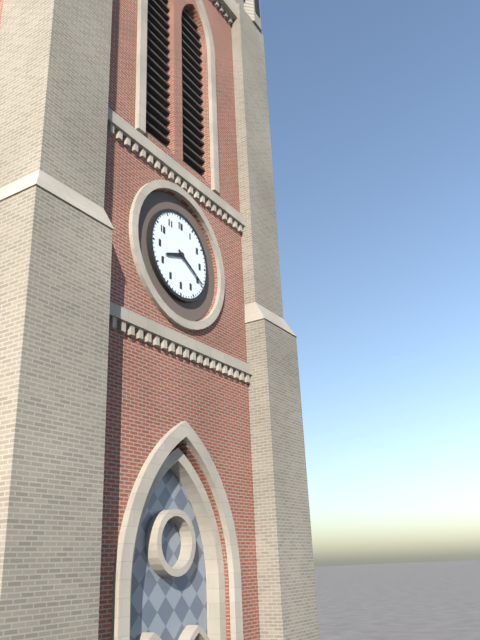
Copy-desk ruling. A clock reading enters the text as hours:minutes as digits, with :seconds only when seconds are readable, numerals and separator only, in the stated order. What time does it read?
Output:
8:20
